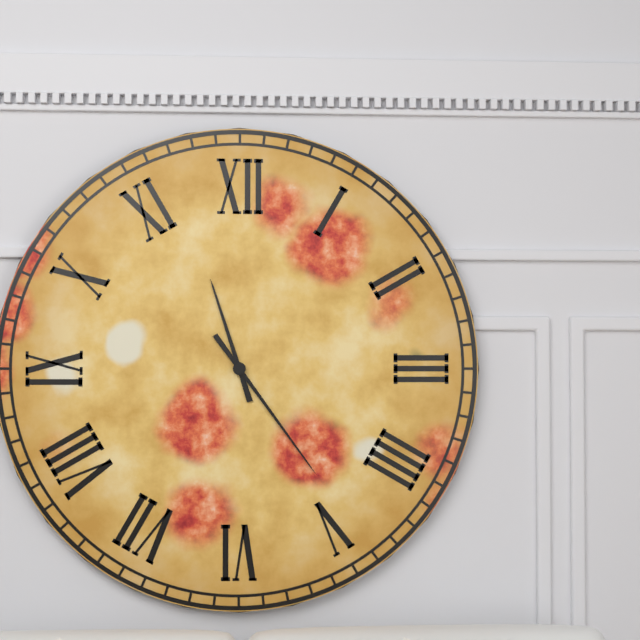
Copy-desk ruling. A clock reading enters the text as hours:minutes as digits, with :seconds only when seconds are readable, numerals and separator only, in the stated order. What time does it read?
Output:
11:24
